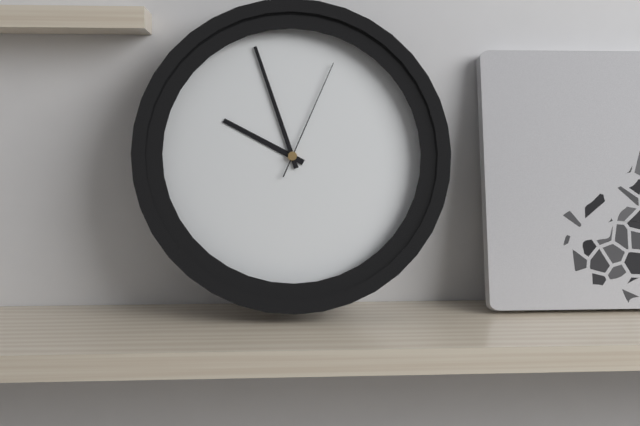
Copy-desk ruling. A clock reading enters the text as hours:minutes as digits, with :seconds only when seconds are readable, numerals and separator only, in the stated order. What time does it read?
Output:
9:57:04
